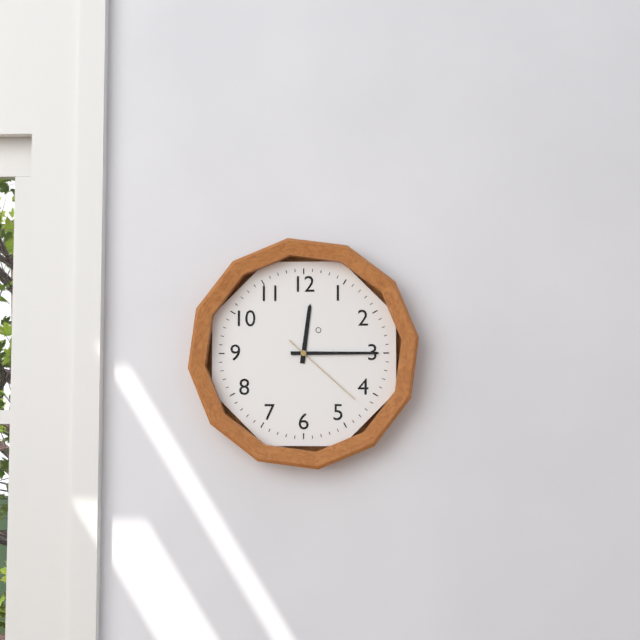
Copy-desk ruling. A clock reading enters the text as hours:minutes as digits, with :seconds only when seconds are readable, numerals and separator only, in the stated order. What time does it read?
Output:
12:15:22
